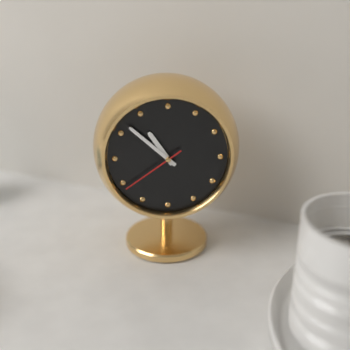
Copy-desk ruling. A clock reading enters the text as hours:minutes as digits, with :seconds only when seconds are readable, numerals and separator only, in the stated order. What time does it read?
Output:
10:52:39
